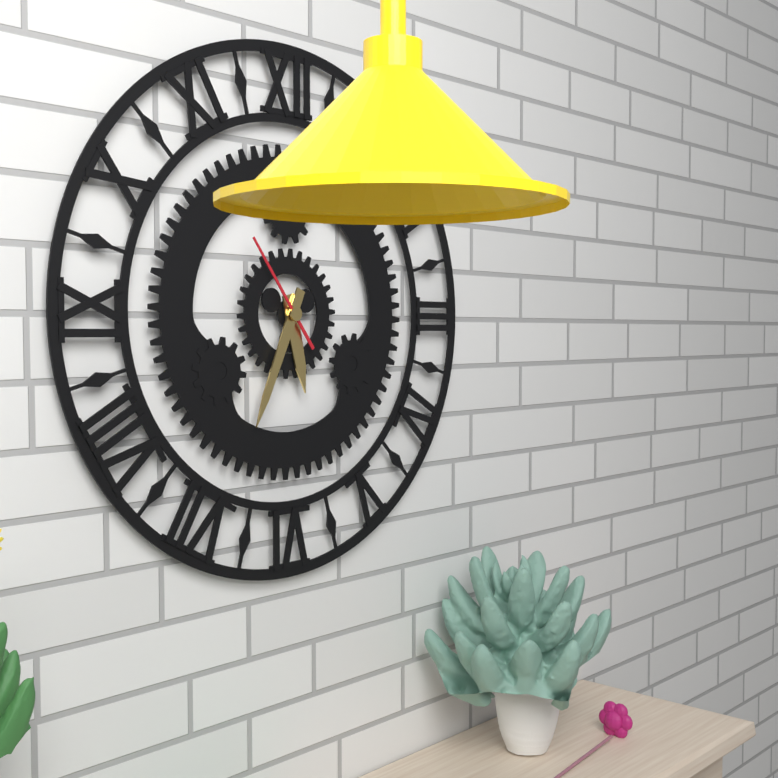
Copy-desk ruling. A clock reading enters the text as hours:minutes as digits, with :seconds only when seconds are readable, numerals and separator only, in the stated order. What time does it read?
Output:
5:34:54
